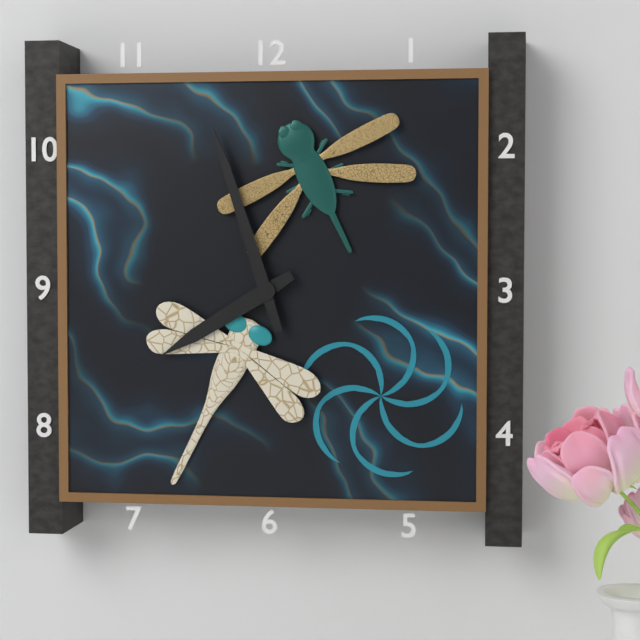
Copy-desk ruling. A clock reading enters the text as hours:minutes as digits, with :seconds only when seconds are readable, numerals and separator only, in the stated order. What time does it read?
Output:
7:57
